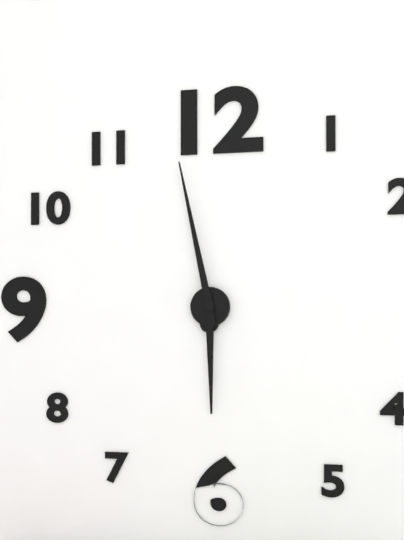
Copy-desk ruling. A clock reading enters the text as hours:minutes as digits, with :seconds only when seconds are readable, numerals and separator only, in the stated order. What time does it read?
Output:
5:58
